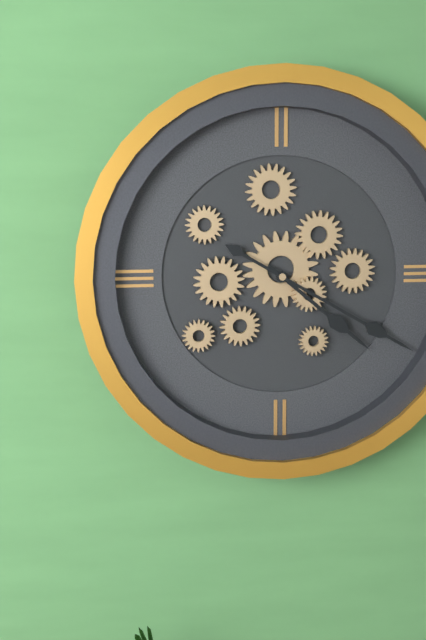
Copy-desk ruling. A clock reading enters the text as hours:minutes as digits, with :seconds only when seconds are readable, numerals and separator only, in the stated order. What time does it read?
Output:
4:20
